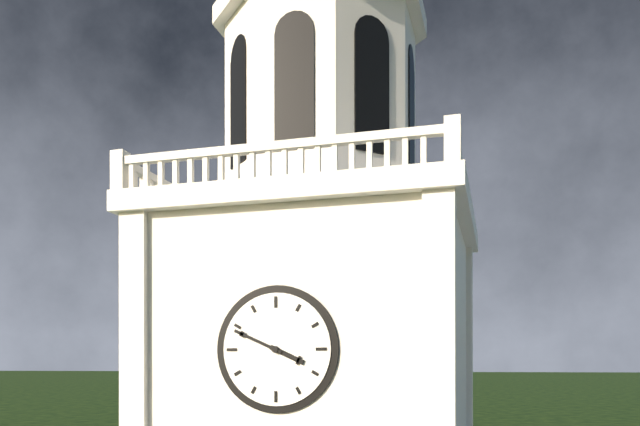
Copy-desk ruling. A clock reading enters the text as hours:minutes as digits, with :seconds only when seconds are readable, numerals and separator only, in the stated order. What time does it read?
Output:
3:49
